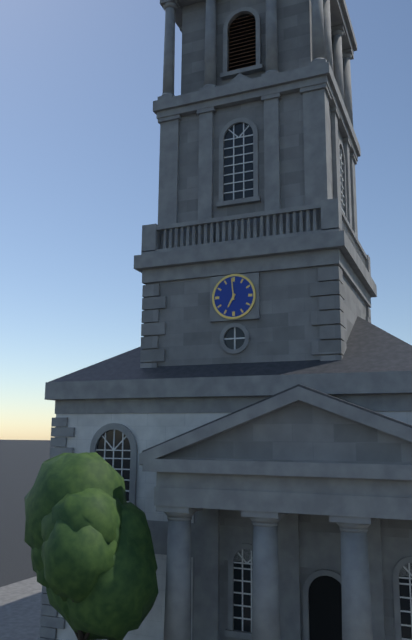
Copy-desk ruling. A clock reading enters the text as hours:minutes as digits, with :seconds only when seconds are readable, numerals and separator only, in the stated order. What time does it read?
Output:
6:59
